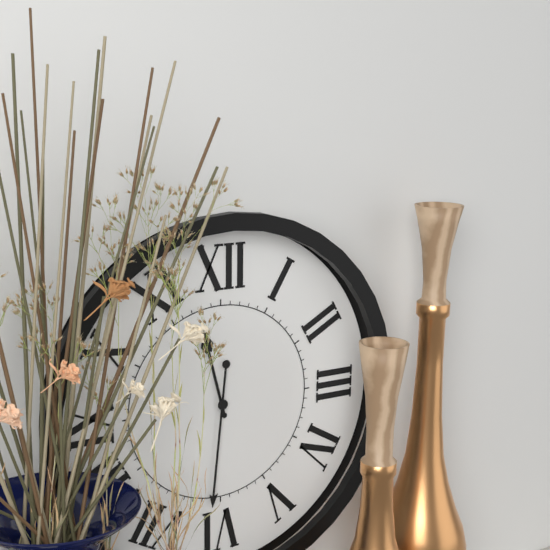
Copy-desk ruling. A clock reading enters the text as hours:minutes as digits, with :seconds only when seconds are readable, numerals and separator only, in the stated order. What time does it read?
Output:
11:31
